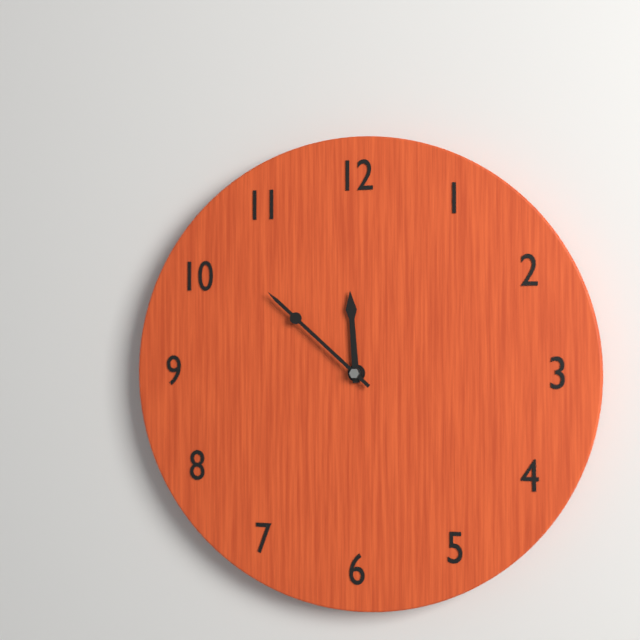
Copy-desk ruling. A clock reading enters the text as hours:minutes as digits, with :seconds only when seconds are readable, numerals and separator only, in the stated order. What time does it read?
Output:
11:52
